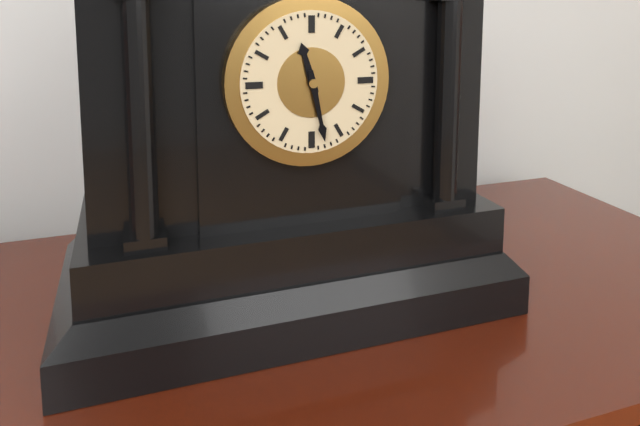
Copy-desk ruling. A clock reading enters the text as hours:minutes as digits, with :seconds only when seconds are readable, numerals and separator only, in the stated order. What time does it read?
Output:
11:28
